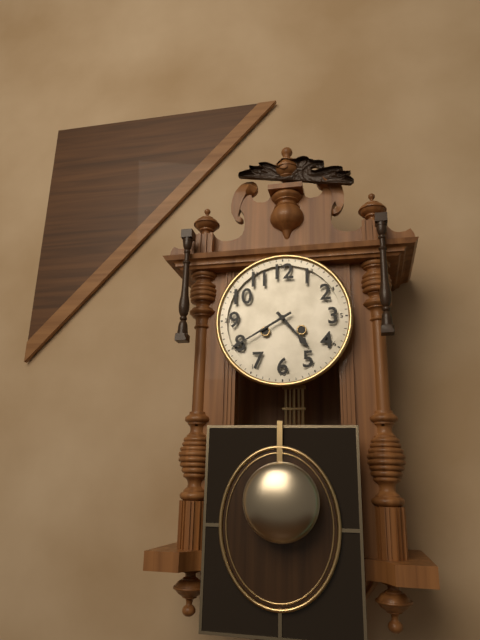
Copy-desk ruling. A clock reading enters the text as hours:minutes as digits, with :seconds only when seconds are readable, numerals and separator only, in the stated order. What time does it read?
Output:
4:40
